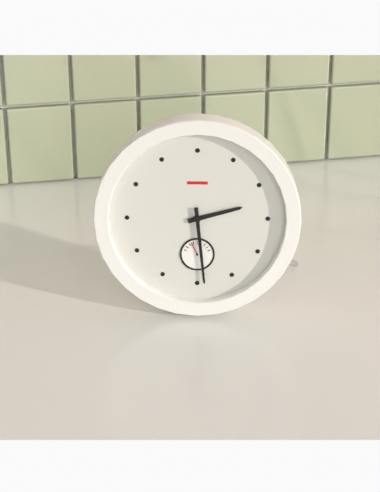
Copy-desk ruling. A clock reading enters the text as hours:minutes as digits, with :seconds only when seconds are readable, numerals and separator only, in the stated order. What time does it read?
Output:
2:29
